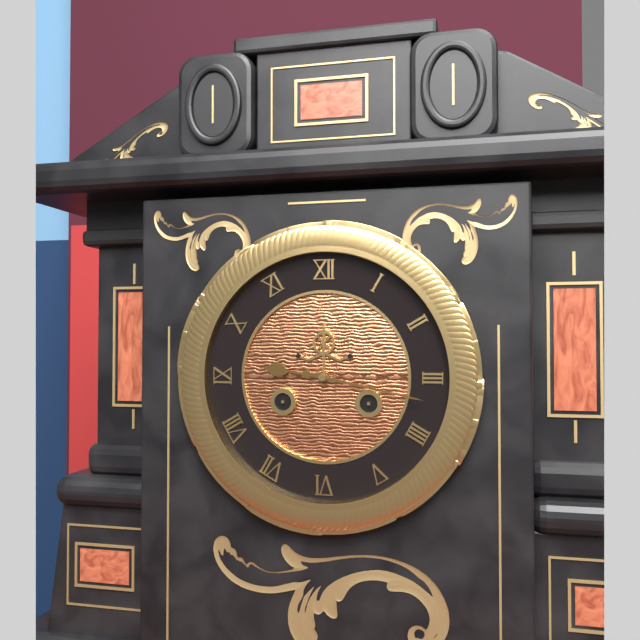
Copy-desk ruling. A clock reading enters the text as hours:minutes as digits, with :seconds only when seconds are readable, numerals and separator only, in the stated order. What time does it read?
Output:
9:17
